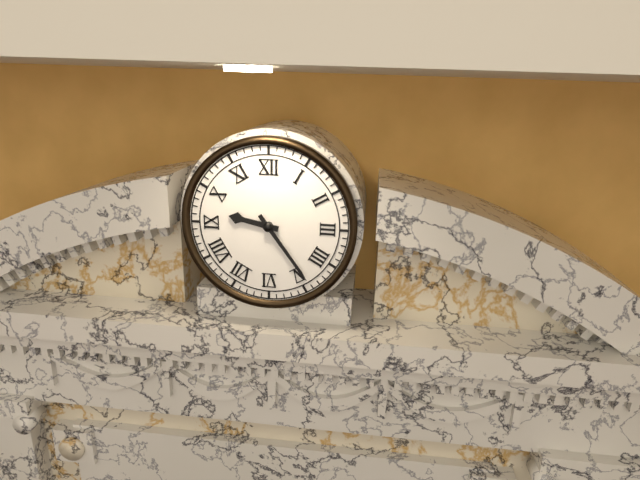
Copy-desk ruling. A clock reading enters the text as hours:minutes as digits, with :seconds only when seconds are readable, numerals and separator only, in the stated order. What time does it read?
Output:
9:24
